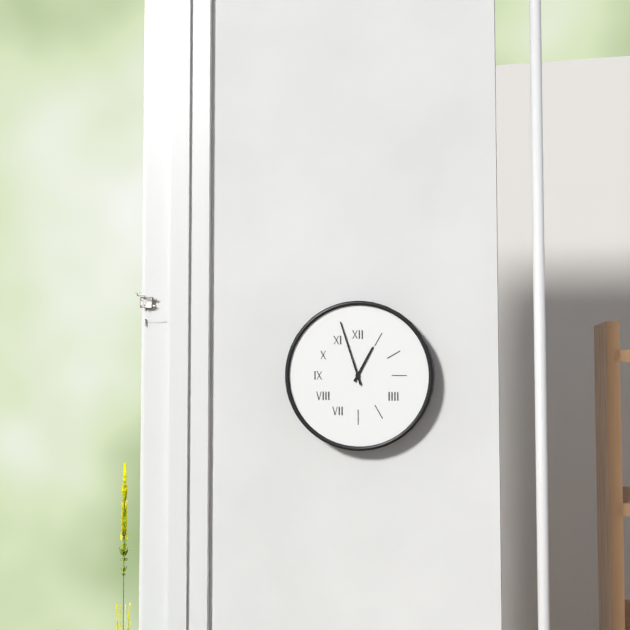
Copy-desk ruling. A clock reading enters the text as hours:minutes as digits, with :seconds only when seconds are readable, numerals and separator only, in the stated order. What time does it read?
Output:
12:57
